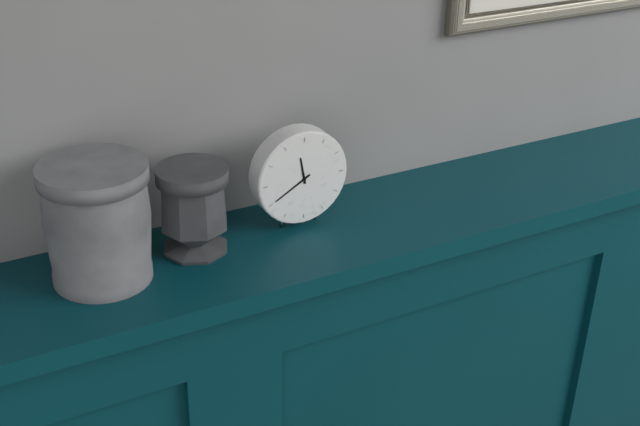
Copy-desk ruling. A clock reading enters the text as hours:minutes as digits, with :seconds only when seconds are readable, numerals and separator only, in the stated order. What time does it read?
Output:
11:40
